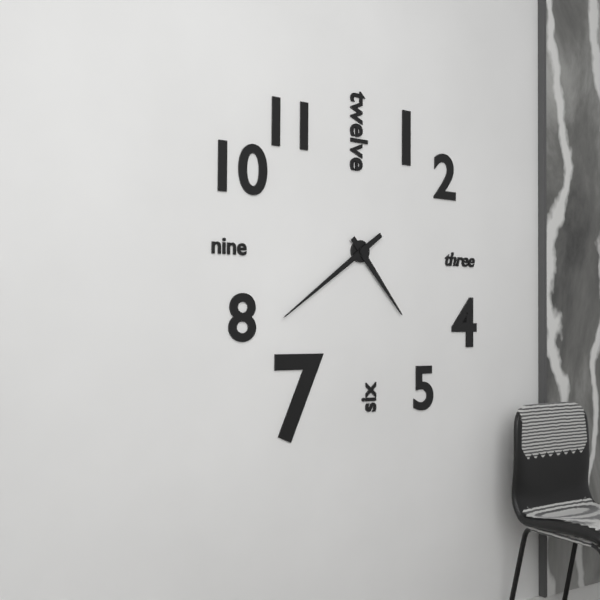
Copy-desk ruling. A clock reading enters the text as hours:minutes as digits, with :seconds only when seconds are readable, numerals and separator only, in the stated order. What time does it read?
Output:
4:39
